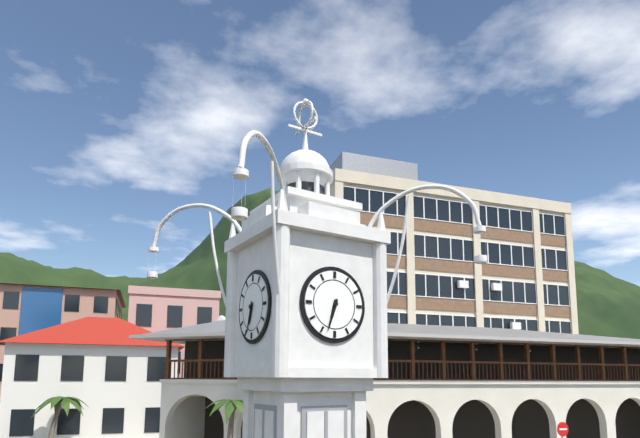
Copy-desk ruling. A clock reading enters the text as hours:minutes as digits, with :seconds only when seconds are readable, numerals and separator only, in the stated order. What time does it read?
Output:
6:33
